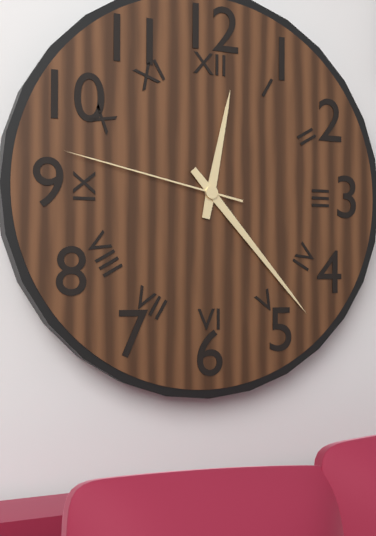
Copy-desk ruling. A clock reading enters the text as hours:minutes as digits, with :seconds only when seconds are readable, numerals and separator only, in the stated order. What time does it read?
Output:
12:23:47
